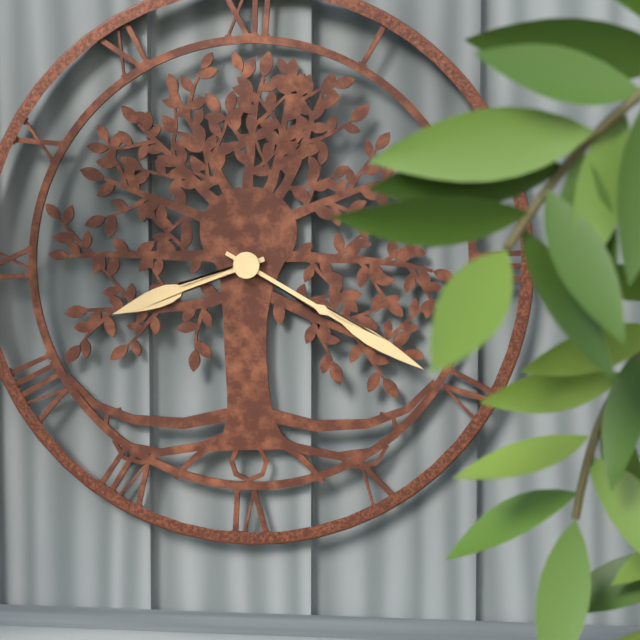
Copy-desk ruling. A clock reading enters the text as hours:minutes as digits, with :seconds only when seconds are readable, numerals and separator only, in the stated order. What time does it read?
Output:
8:20
